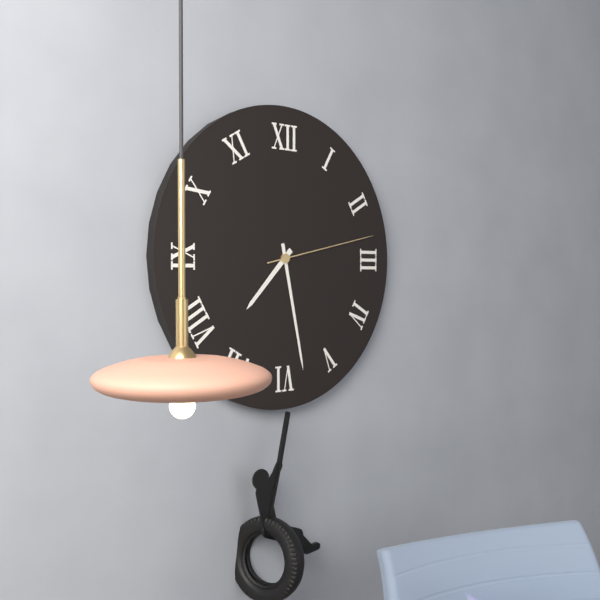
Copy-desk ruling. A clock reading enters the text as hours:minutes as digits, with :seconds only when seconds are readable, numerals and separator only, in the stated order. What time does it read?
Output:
7:28:13
